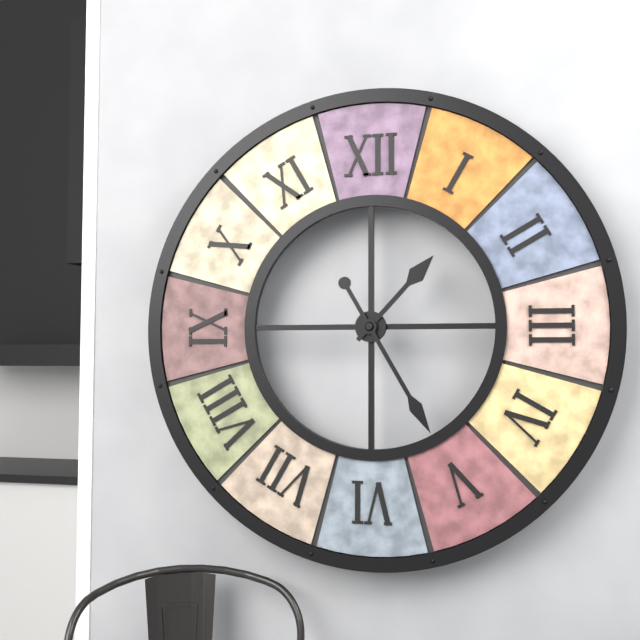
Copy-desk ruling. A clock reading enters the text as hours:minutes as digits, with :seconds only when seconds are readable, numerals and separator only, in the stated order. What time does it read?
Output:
1:25
